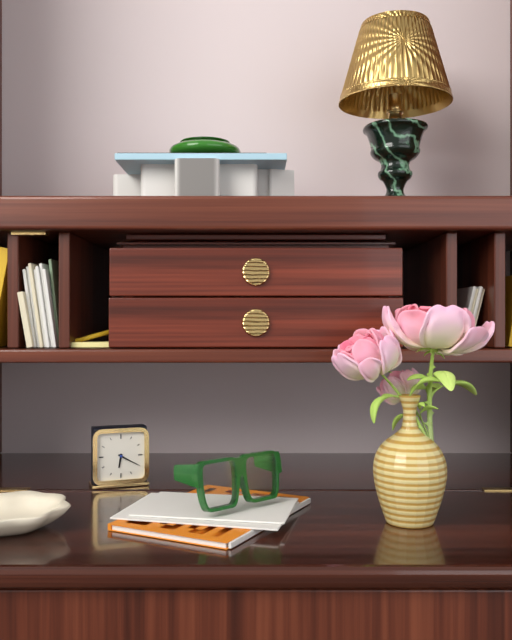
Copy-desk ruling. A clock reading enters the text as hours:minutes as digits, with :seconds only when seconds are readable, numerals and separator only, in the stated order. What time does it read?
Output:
6:20
